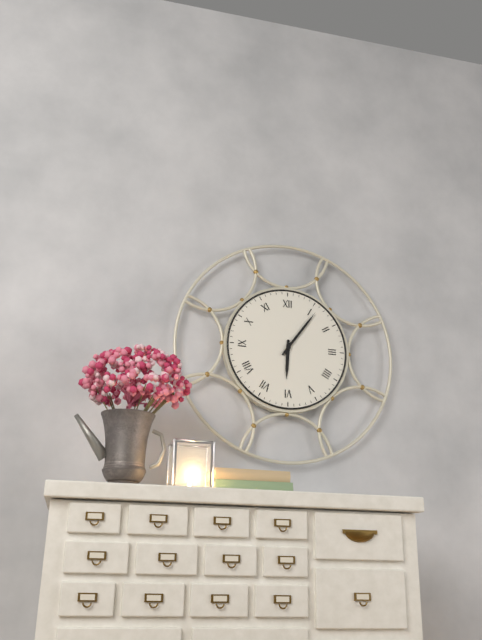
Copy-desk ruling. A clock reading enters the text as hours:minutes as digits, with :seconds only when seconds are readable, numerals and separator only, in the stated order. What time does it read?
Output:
6:06
